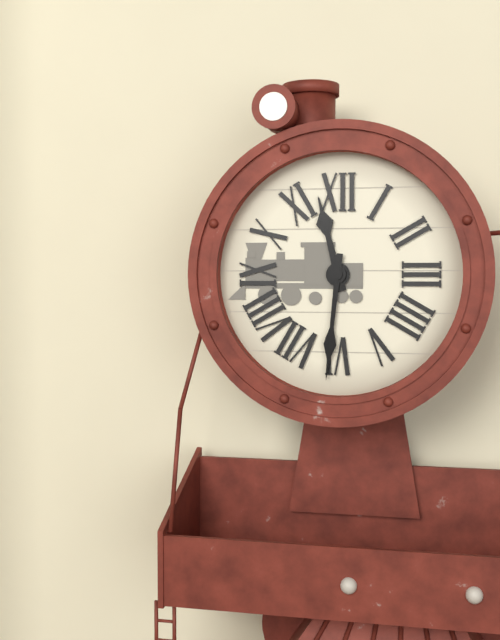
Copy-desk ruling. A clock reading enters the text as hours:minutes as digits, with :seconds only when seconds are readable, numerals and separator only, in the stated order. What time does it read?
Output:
11:31
